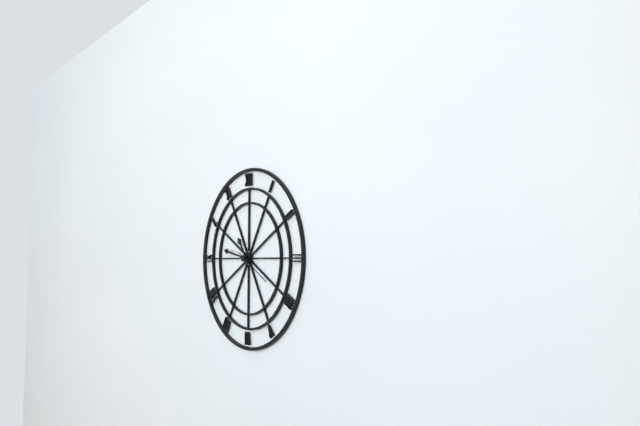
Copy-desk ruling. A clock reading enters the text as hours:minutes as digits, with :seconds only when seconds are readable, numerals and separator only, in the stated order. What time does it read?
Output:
10:47
